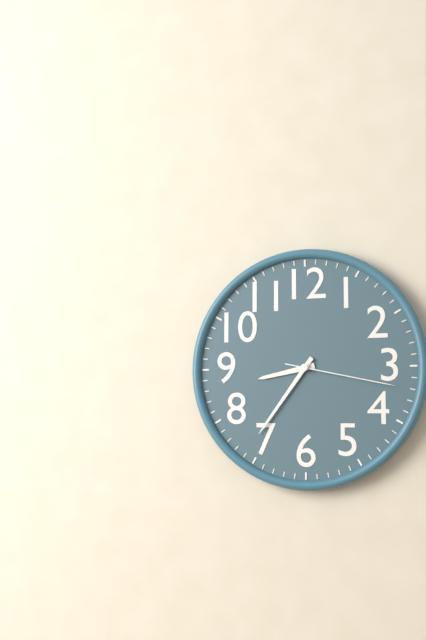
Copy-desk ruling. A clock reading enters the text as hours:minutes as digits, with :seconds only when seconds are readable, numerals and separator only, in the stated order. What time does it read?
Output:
8:36:17
